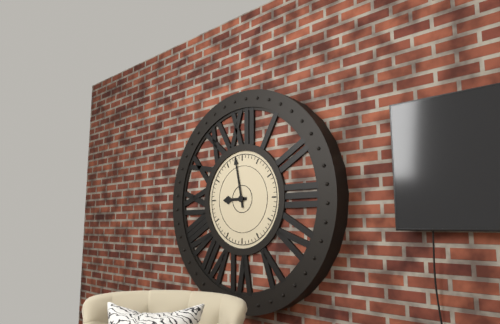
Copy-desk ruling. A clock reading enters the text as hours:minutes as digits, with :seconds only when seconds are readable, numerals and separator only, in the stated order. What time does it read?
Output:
8:58
